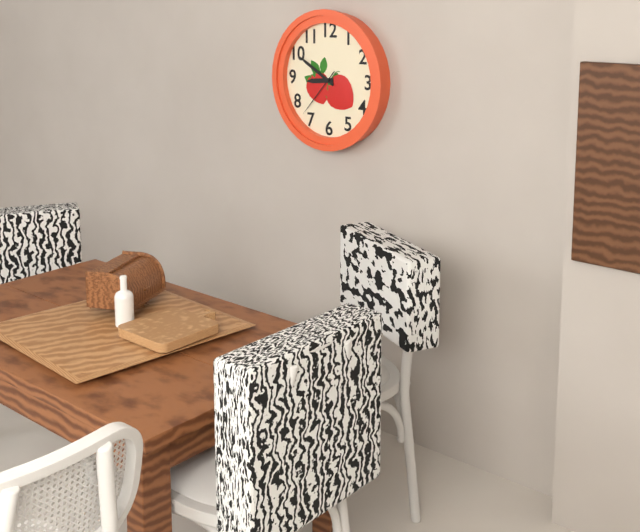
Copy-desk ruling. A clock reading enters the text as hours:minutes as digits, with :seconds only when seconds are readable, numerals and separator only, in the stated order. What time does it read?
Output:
8:50:37
